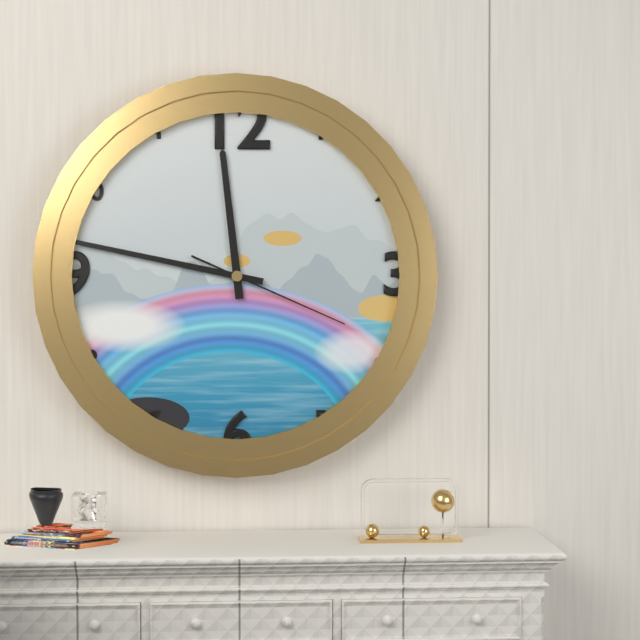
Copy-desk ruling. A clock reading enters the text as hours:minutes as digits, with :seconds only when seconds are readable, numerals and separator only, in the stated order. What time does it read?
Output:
11:47:19
